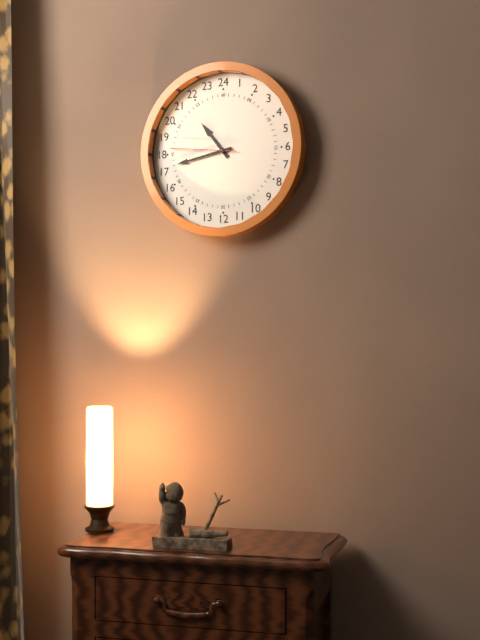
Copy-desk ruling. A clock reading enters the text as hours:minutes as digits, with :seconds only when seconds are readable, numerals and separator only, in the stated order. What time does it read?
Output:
10:43:46
